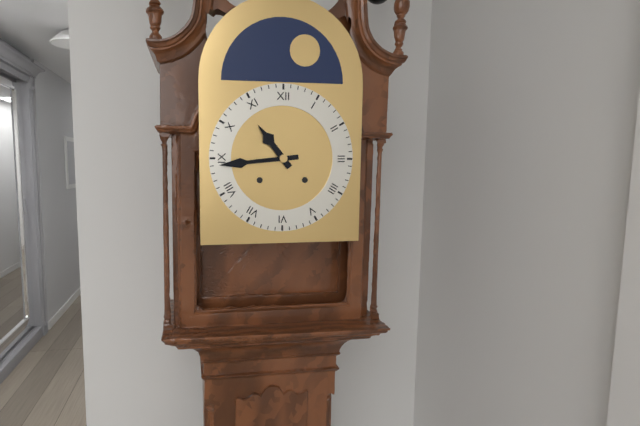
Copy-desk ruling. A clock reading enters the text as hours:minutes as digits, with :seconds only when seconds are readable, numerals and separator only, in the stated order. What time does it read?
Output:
10:44
